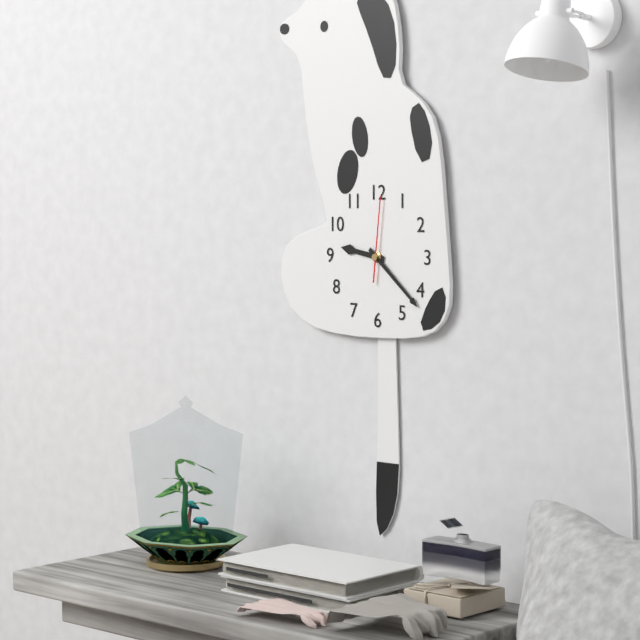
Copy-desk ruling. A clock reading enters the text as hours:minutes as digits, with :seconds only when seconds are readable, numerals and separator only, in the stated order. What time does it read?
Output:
9:22:01
